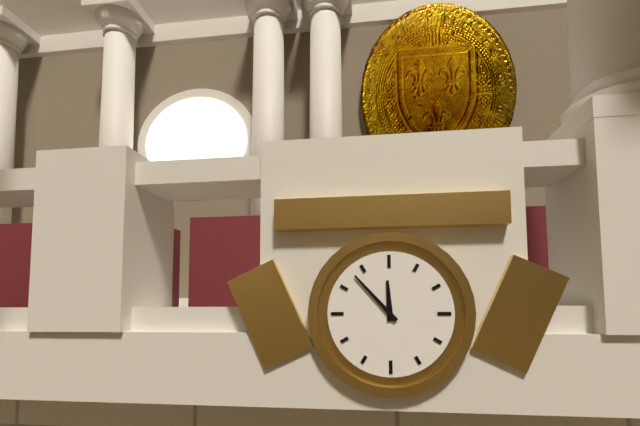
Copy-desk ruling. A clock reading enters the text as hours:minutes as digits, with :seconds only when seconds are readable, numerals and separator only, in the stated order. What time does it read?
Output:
11:53
